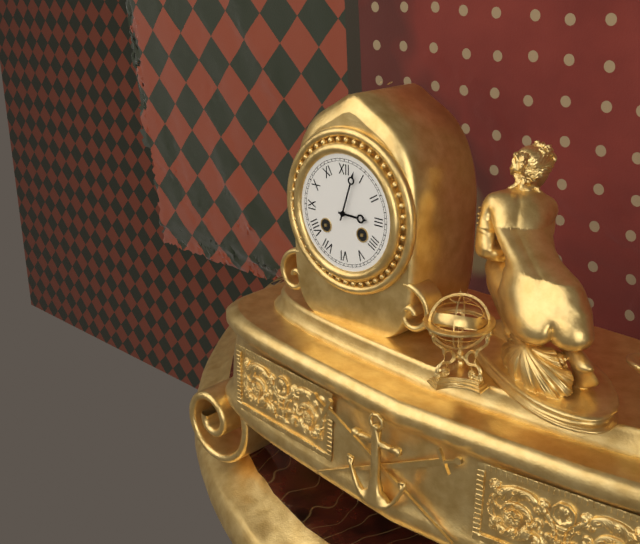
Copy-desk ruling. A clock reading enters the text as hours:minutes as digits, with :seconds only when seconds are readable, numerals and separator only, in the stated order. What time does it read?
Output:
3:03
